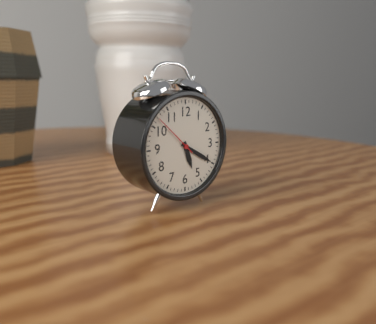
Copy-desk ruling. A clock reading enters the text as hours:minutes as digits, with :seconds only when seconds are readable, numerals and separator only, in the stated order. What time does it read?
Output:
5:20
